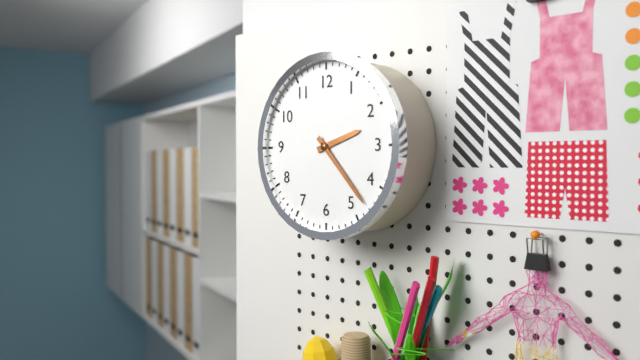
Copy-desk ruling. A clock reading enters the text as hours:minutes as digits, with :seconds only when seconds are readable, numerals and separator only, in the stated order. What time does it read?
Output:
2:23
